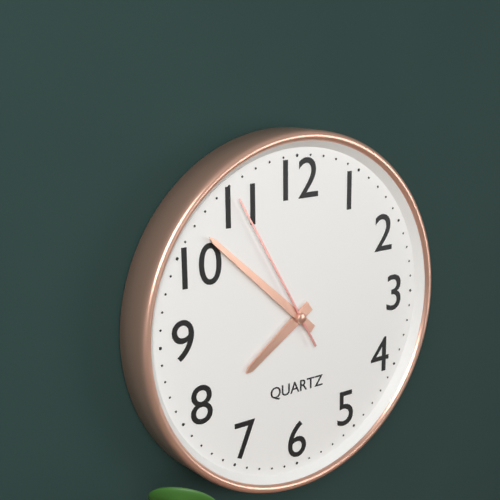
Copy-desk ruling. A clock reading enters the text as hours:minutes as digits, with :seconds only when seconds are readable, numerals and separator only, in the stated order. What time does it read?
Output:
7:52:55
